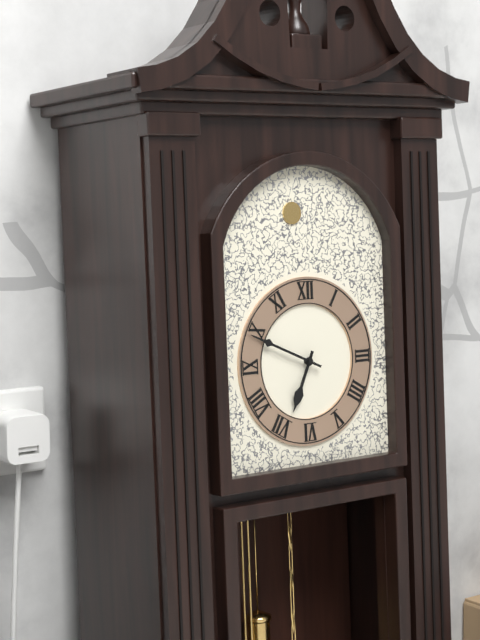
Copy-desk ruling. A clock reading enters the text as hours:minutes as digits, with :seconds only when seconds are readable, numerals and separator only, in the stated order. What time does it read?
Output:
6:49
